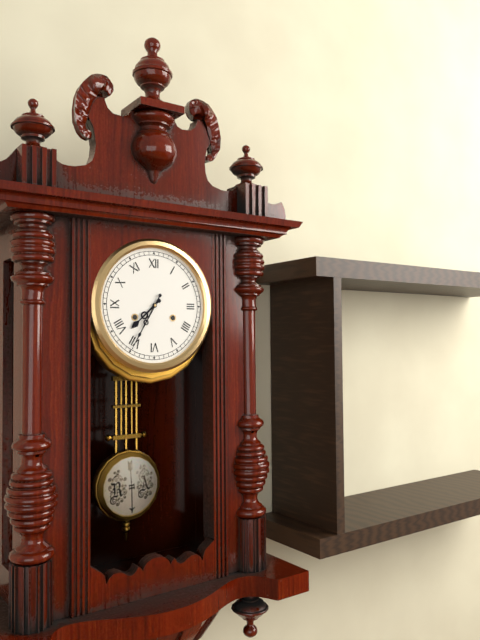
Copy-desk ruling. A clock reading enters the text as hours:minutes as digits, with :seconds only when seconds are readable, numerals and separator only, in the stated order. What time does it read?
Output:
7:35
